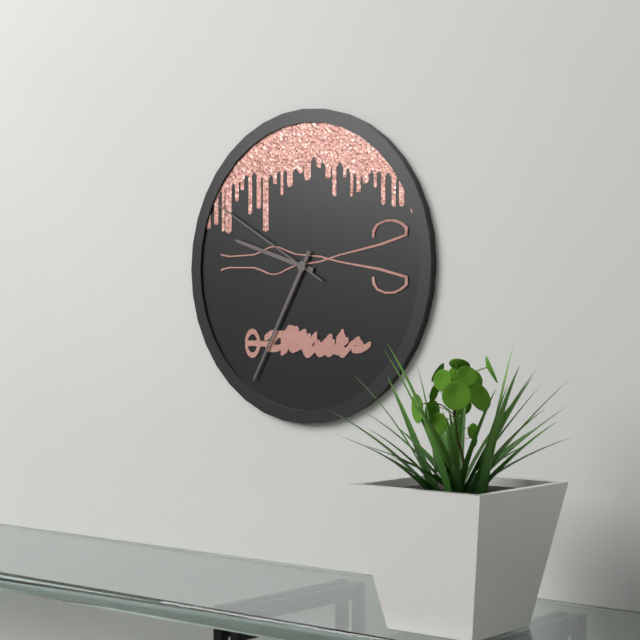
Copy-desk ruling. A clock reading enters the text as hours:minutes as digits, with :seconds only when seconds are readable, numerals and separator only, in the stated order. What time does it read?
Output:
9:35:50
